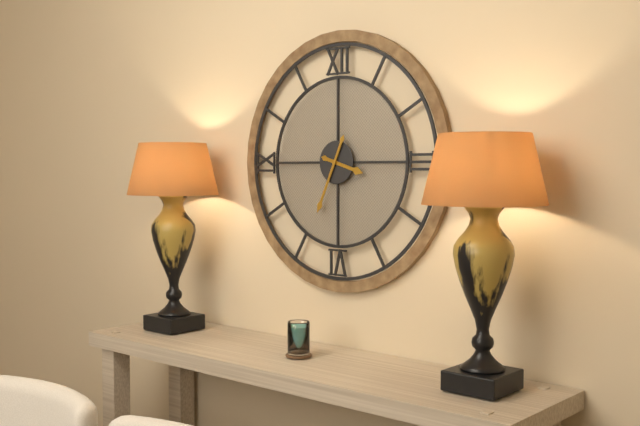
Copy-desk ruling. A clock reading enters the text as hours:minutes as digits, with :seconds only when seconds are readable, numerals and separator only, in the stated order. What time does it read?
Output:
3:34
